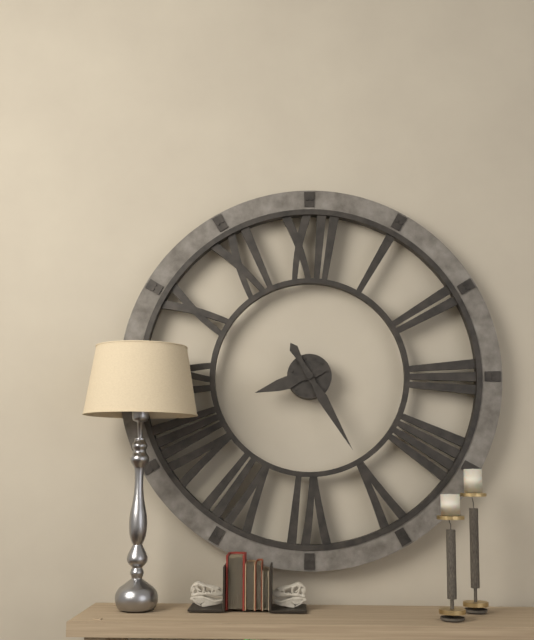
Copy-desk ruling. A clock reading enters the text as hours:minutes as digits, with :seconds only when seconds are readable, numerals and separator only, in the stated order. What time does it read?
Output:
8:25
